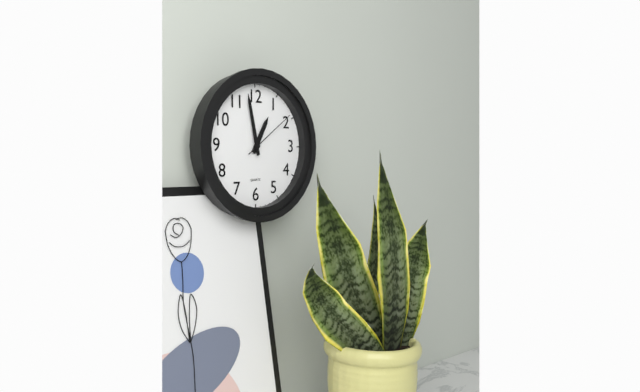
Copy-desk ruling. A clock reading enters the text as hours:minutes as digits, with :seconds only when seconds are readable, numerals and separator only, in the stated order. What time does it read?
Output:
12:58:09
